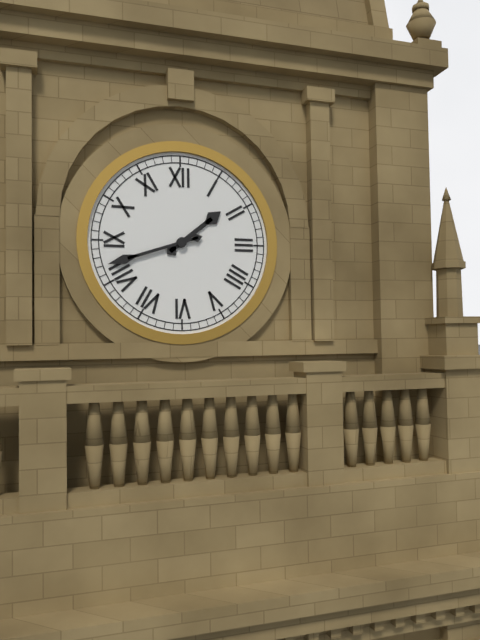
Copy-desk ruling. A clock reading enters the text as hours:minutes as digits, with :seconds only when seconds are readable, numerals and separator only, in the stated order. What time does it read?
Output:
1:42
